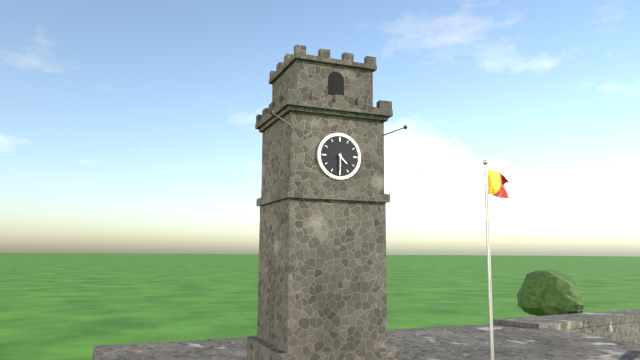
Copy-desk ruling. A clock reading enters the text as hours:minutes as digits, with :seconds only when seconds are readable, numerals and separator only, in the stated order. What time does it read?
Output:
4:30
